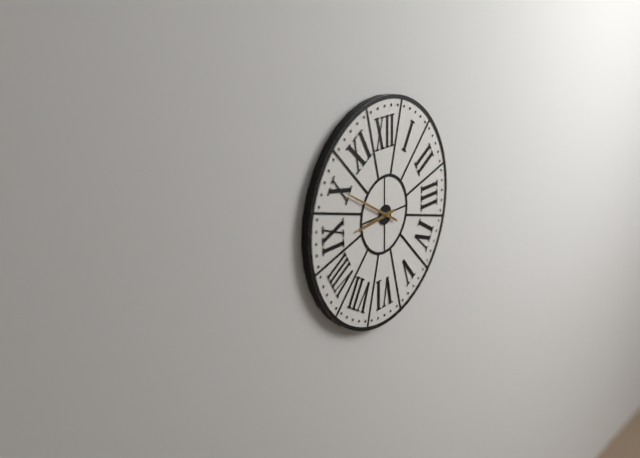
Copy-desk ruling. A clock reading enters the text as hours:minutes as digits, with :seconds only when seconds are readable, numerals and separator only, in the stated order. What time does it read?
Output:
8:50
